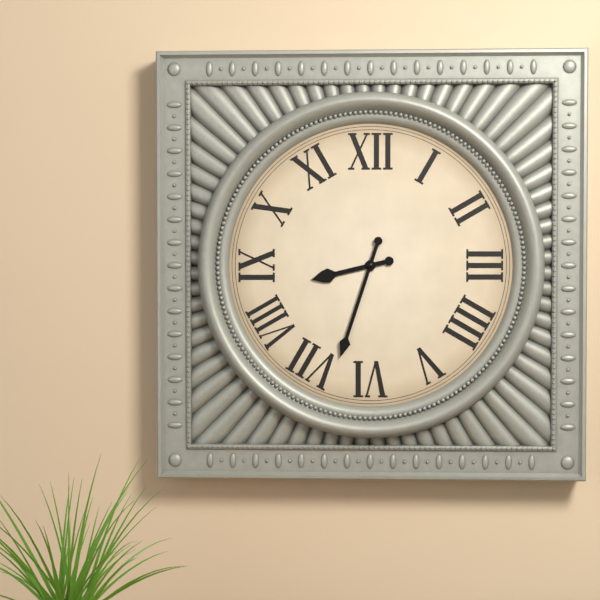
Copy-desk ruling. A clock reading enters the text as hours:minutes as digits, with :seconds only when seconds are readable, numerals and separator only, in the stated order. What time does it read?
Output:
8:33
